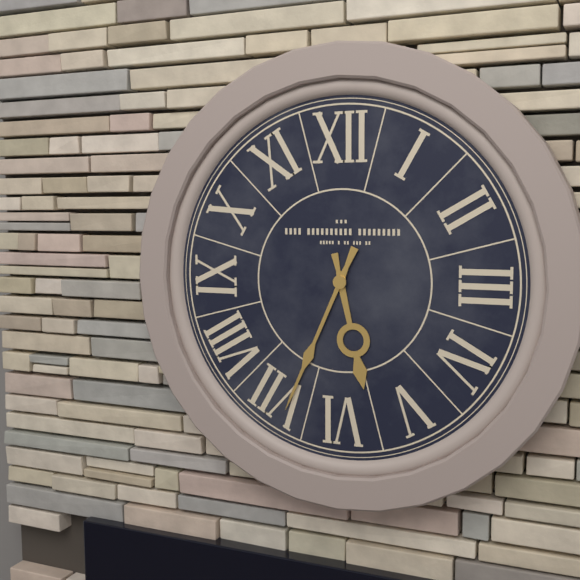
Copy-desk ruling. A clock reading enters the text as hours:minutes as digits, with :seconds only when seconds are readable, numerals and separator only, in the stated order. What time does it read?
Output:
5:34
